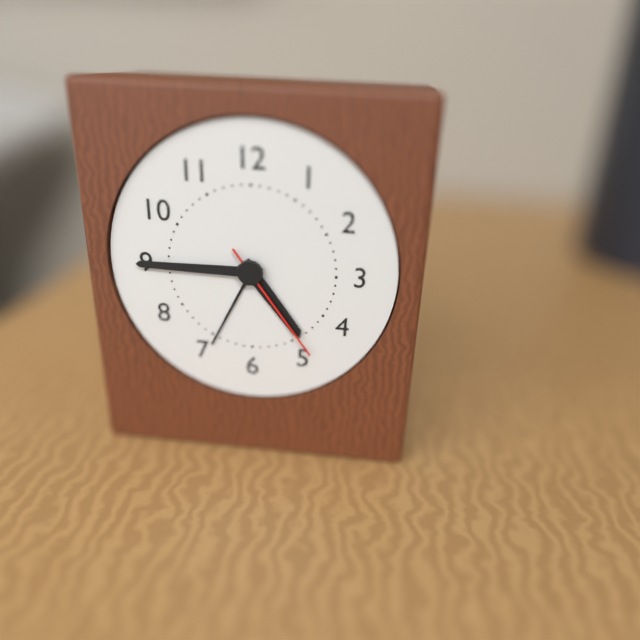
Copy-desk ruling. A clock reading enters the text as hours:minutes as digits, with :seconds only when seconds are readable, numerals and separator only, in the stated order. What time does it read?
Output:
4:45:24
